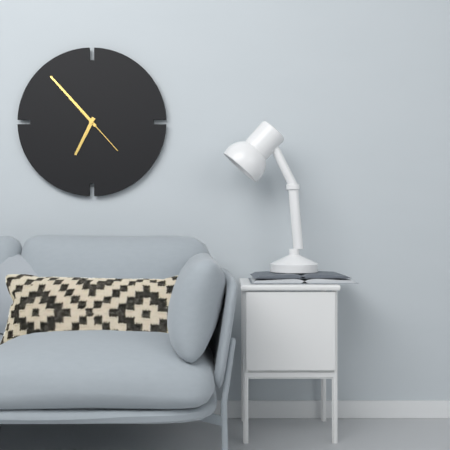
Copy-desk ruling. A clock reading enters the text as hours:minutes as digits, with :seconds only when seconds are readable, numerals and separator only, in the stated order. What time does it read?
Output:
6:53
